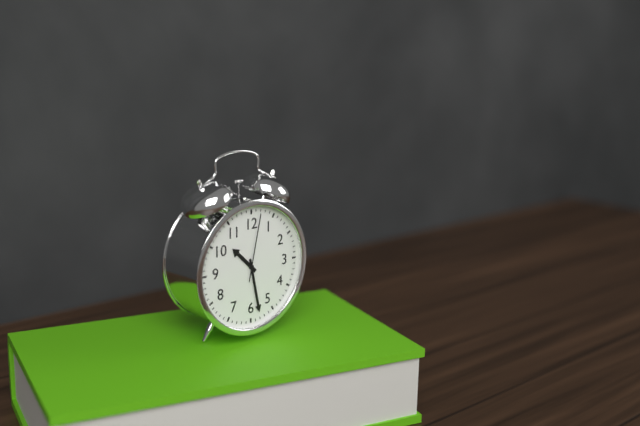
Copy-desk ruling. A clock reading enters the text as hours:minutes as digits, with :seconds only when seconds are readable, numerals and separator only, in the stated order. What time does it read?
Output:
10:28:02
